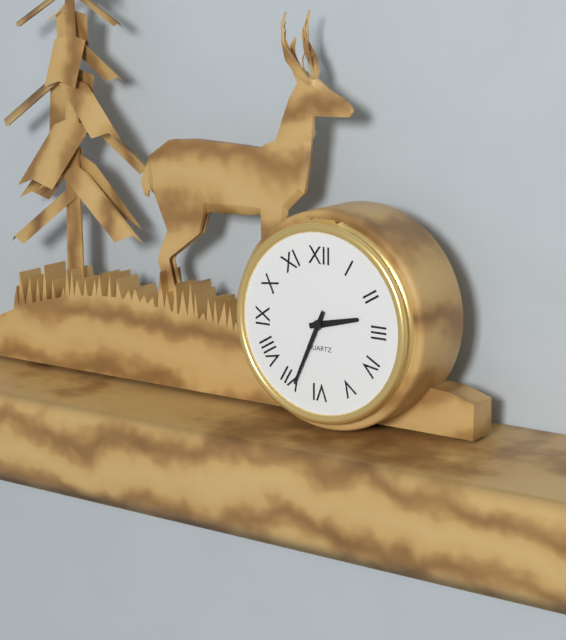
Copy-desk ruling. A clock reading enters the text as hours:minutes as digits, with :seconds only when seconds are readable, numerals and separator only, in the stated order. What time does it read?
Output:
2:34
